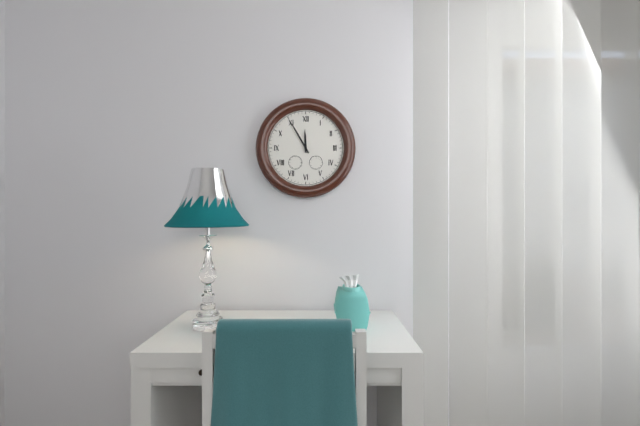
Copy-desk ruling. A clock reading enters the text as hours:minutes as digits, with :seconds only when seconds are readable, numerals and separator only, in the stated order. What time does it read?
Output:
11:55
